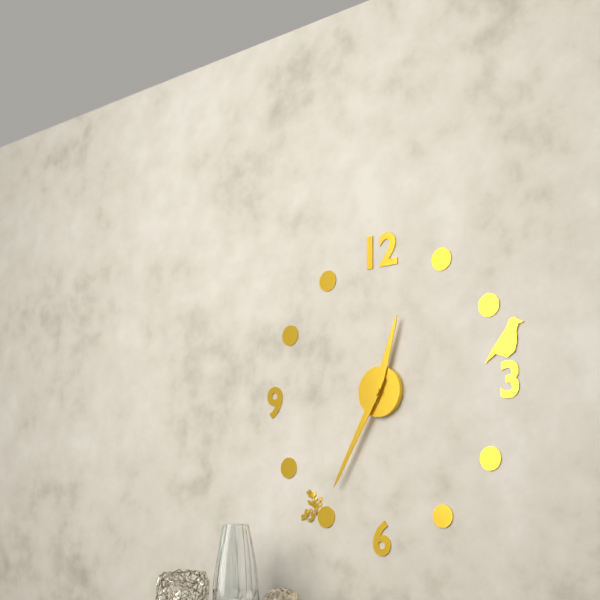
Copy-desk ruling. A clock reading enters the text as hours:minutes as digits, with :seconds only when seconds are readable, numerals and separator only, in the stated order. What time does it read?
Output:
12:35
